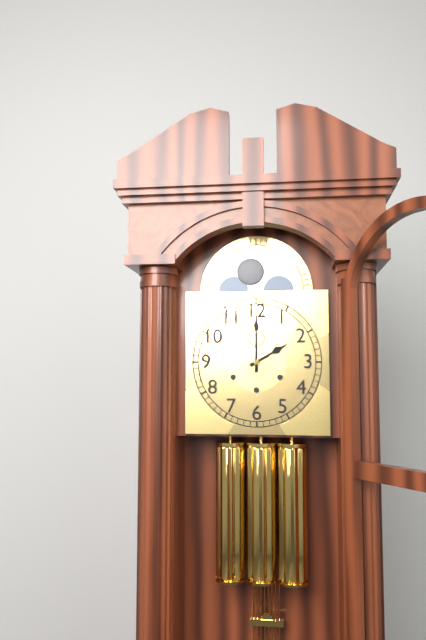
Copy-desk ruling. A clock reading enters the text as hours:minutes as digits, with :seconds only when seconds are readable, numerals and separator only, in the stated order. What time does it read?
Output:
2:00
